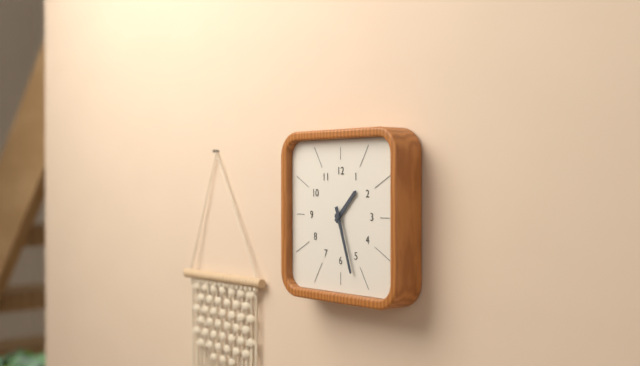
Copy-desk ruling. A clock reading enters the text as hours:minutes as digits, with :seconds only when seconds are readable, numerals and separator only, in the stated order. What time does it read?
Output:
1:27
